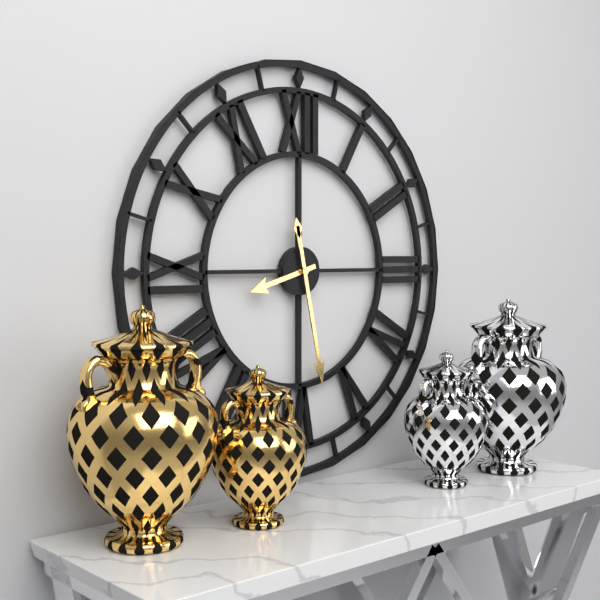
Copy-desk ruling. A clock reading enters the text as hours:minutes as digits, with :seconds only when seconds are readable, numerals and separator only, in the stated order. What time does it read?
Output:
8:28
